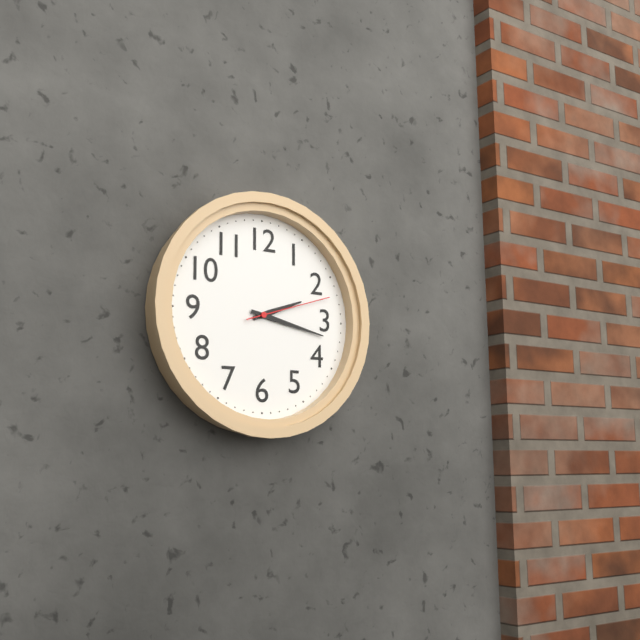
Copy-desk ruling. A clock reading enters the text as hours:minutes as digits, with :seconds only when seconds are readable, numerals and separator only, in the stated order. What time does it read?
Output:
2:17:12
